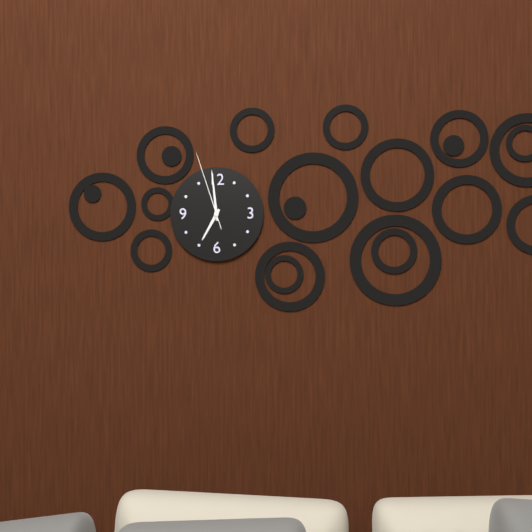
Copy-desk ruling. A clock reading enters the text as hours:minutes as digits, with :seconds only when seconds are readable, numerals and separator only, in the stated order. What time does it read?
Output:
6:59:57
